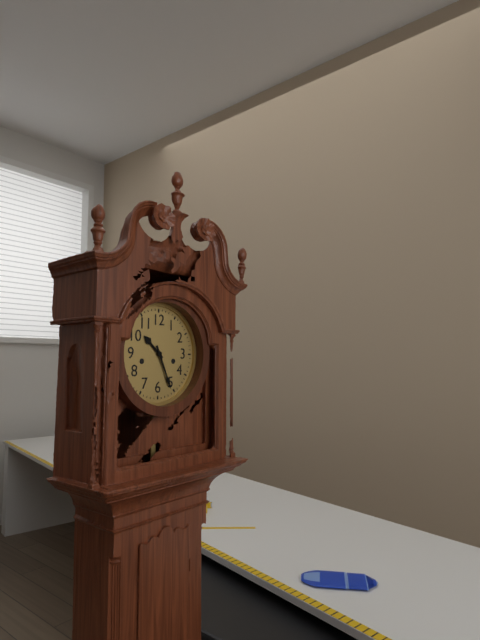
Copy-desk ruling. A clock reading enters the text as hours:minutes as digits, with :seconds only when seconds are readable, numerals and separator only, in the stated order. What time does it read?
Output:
10:26
